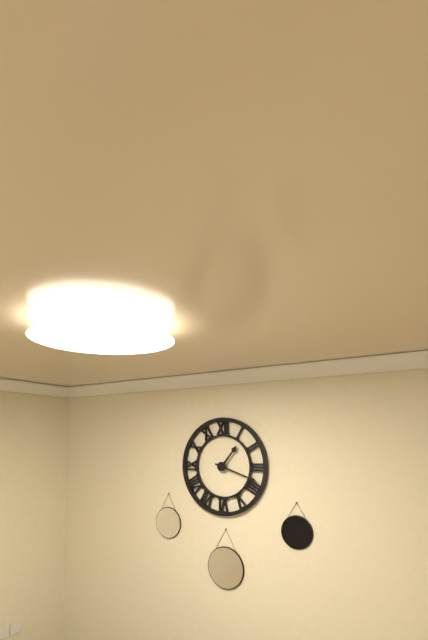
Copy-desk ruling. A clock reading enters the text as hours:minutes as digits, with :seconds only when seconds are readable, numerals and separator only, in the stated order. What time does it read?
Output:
1:18
